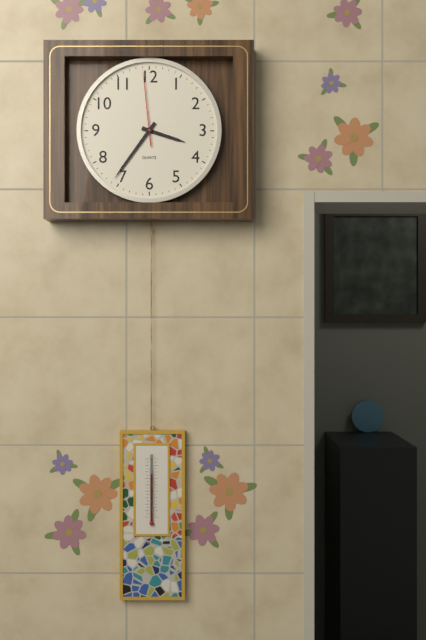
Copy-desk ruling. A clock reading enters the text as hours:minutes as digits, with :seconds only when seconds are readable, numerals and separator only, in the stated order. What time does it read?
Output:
3:36:59
